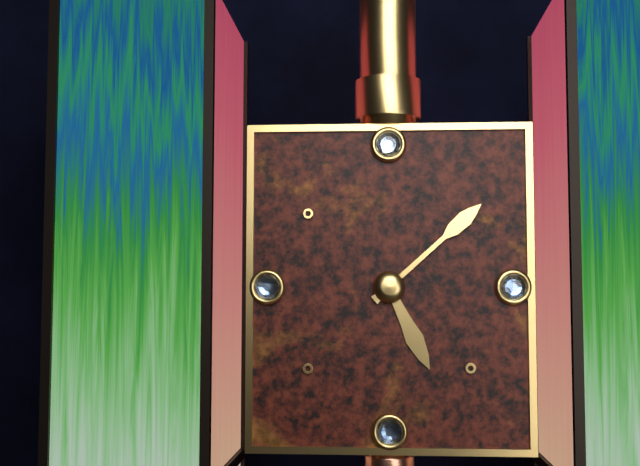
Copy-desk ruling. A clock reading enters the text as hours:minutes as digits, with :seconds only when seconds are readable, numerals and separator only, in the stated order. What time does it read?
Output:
5:08
